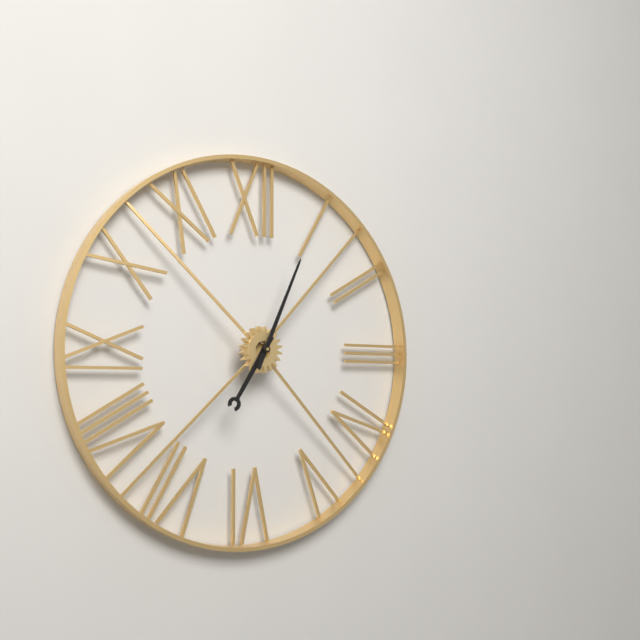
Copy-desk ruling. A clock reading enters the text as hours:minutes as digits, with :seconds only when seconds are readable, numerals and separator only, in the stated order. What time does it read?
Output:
7:04
